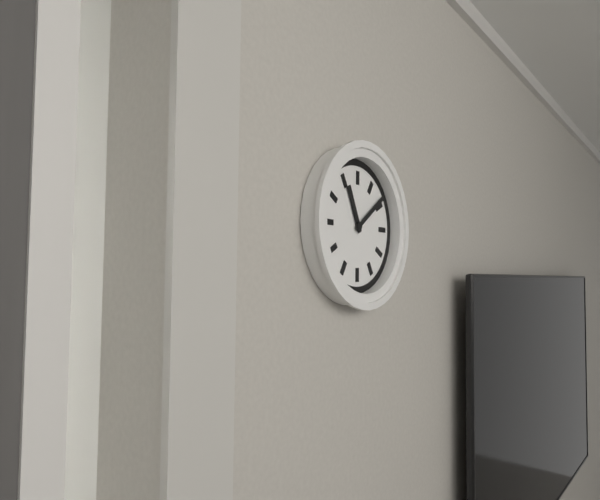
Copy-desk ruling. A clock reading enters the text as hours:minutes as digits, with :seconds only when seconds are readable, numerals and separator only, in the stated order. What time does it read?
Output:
11:09
